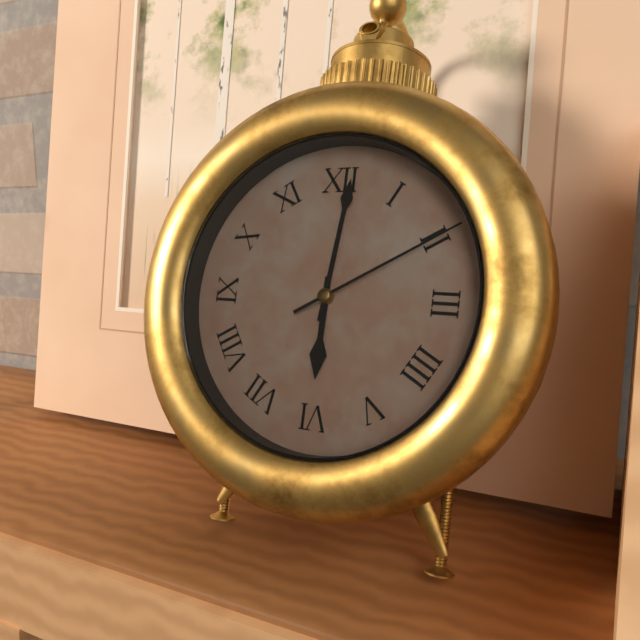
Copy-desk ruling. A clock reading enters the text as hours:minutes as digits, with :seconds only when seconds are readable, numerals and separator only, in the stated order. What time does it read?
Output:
6:01:10
